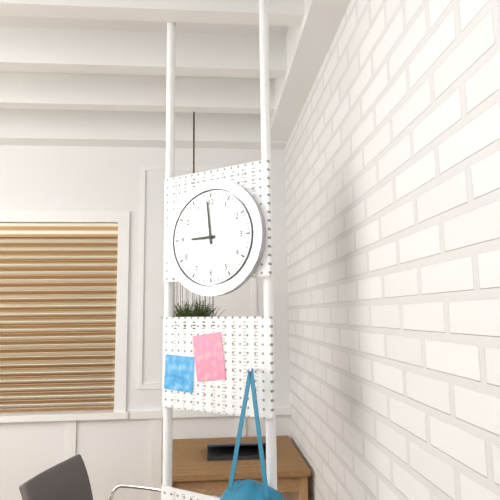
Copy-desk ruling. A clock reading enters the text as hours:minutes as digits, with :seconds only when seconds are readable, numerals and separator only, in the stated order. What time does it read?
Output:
8:59
